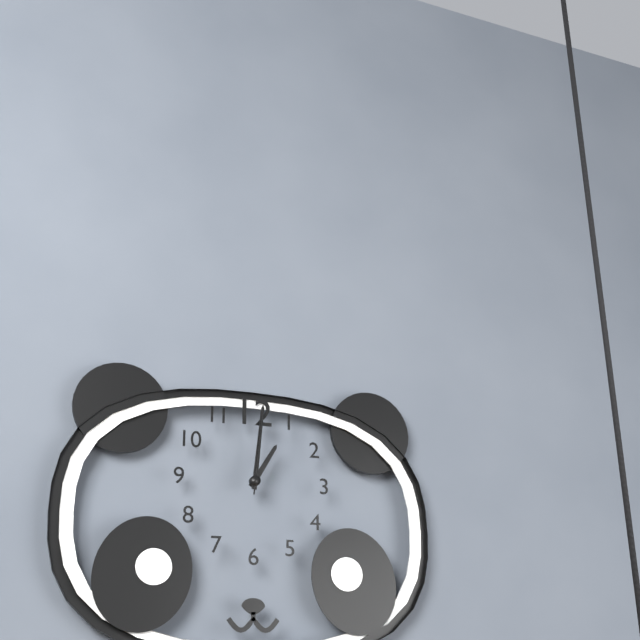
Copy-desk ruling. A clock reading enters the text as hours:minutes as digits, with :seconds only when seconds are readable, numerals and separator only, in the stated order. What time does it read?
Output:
1:01:01
